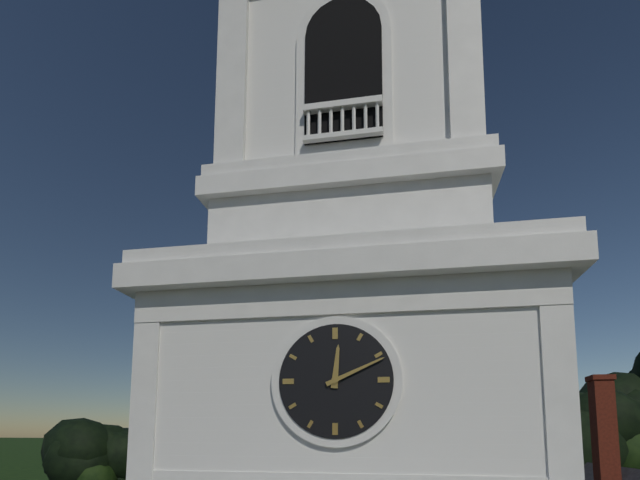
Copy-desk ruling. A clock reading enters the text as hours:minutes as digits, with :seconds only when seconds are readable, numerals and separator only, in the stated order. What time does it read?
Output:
12:11
